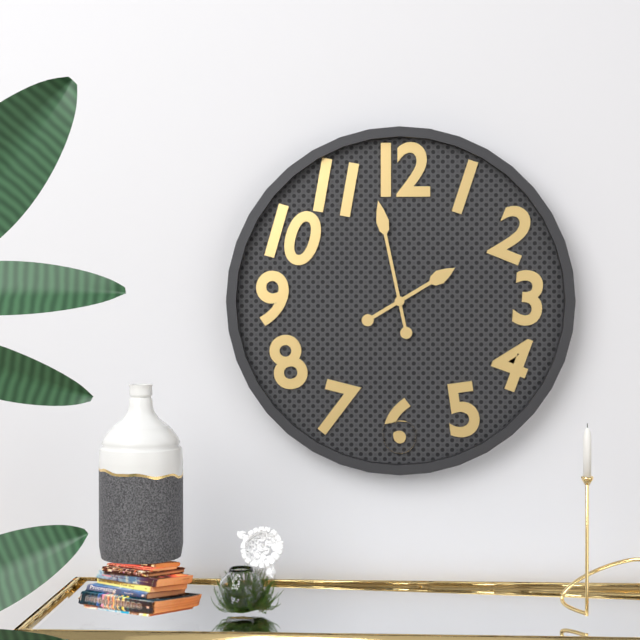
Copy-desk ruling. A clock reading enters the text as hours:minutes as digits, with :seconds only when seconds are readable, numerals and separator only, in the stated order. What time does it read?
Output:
1:58
